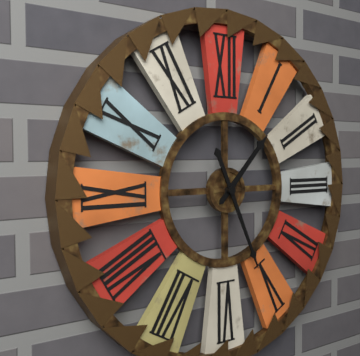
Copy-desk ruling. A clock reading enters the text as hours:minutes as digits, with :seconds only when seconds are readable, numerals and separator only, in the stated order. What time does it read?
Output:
1:26
